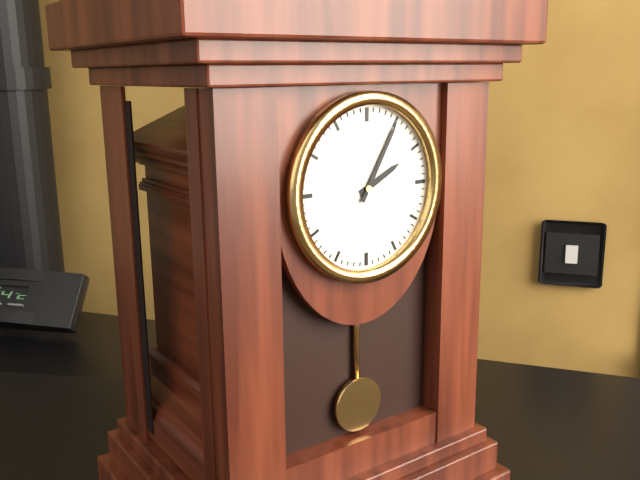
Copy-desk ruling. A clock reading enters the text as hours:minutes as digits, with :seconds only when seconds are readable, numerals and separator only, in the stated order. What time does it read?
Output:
2:05
